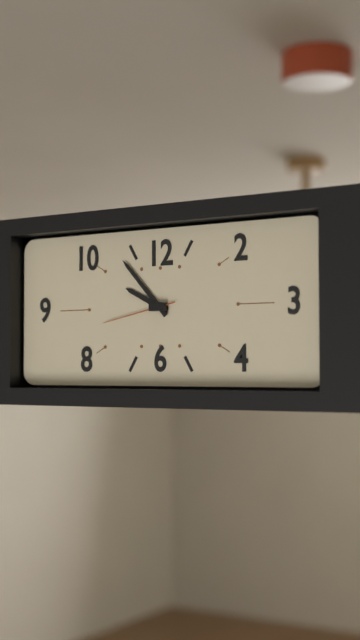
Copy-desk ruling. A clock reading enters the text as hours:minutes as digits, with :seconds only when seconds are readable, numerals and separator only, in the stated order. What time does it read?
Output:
9:53:43
